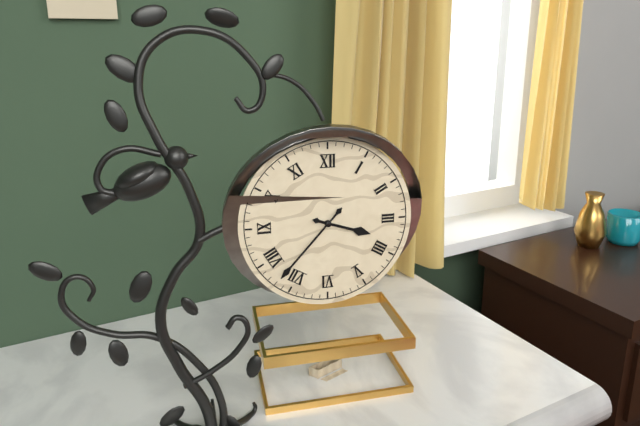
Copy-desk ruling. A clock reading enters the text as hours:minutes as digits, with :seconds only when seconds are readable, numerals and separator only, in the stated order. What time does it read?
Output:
3:37
